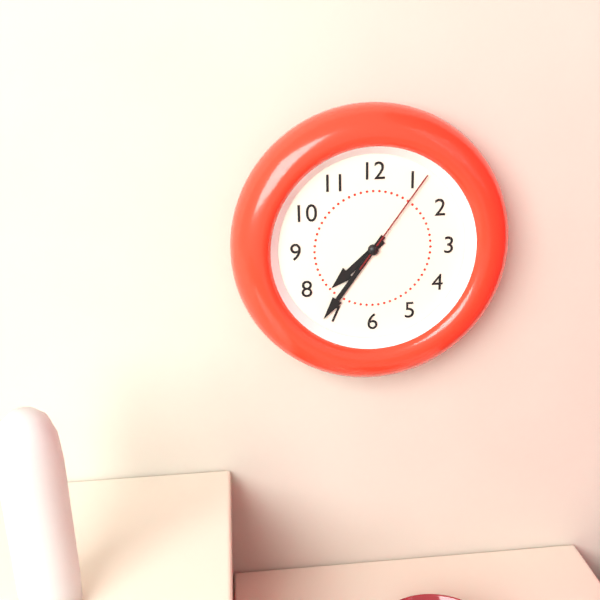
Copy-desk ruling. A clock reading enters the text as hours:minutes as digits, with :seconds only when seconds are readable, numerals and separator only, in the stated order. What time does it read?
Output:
7:36:06
